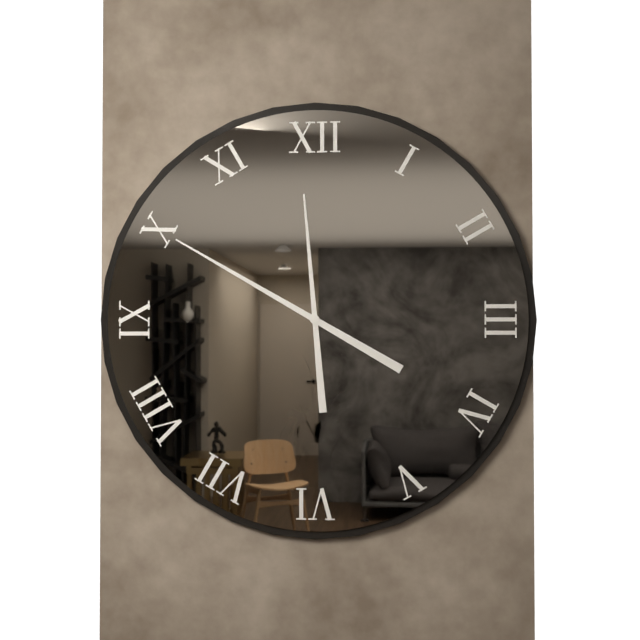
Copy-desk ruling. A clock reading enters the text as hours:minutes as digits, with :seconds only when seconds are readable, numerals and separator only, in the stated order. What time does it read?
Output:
11:50
